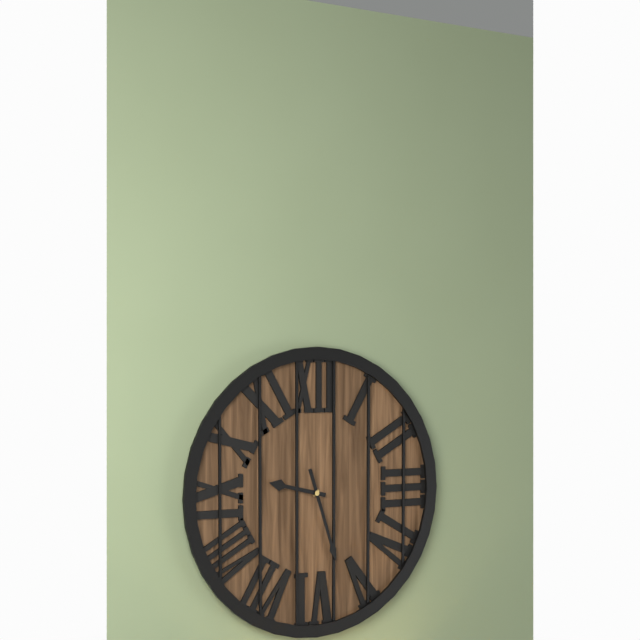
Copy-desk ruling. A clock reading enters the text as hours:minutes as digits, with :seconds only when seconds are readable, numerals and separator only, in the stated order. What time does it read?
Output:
9:27
